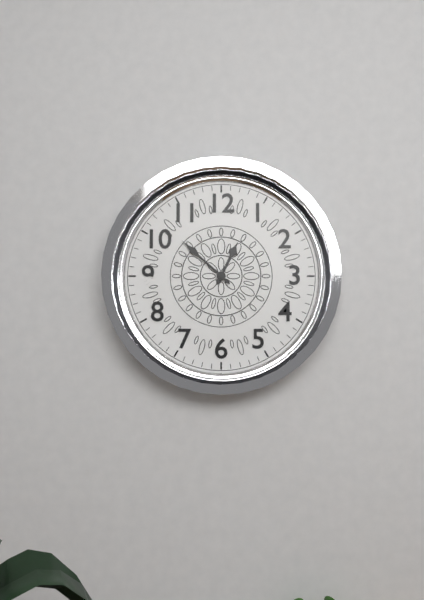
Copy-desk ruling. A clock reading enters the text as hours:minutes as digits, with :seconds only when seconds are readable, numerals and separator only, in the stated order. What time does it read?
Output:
12:52
